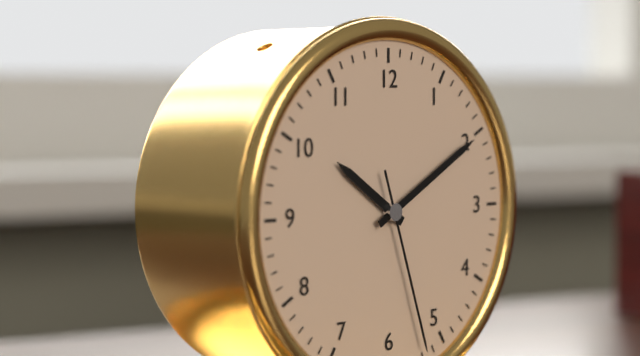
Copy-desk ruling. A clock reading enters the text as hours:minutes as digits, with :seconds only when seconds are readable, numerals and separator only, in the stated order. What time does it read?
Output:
10:10:27
